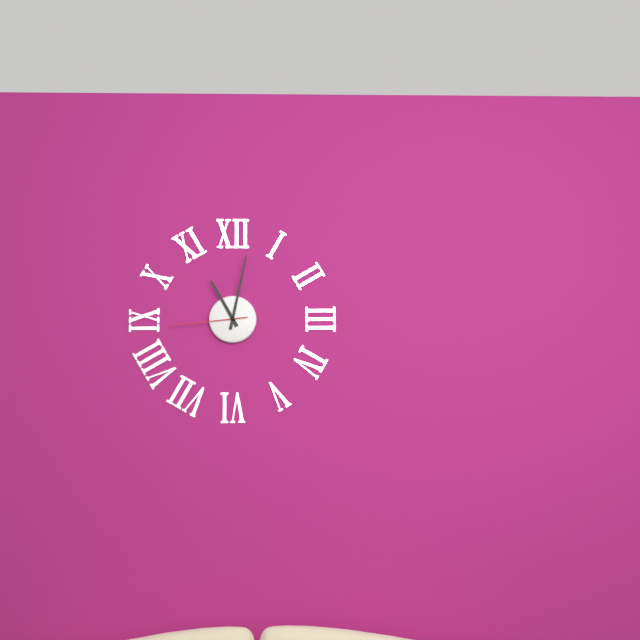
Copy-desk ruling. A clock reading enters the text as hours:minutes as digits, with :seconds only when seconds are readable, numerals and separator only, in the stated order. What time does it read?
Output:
11:02:44
